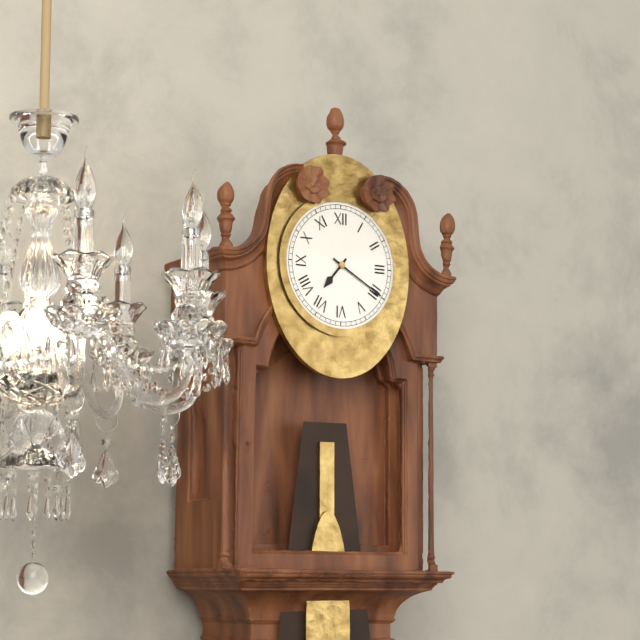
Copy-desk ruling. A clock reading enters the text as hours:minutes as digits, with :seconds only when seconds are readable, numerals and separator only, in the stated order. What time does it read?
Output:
7:20
